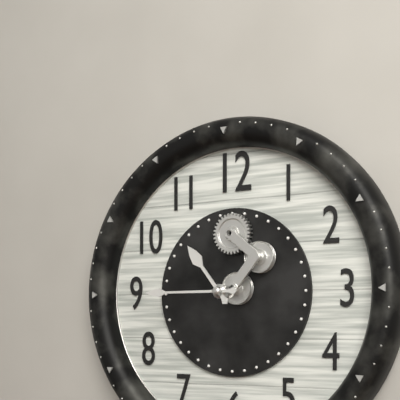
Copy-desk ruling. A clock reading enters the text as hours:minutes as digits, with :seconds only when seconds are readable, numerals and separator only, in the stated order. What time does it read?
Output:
10:45
